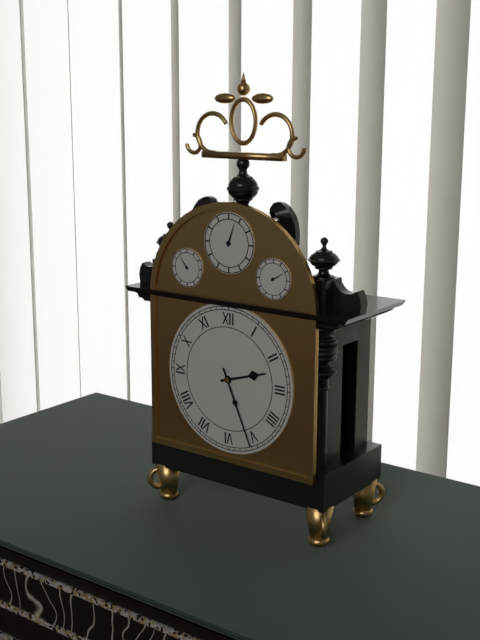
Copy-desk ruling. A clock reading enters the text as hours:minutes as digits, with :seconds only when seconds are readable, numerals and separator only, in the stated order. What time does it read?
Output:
2:26
